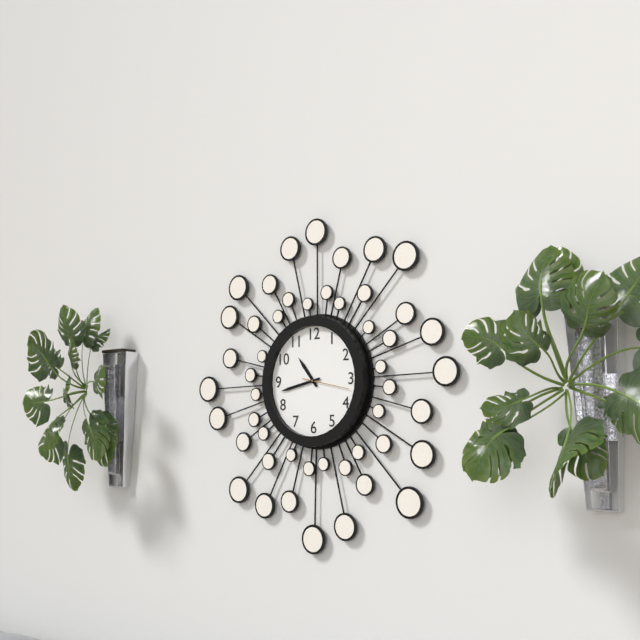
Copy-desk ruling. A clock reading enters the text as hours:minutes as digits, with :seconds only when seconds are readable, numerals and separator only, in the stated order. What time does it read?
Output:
10:43
